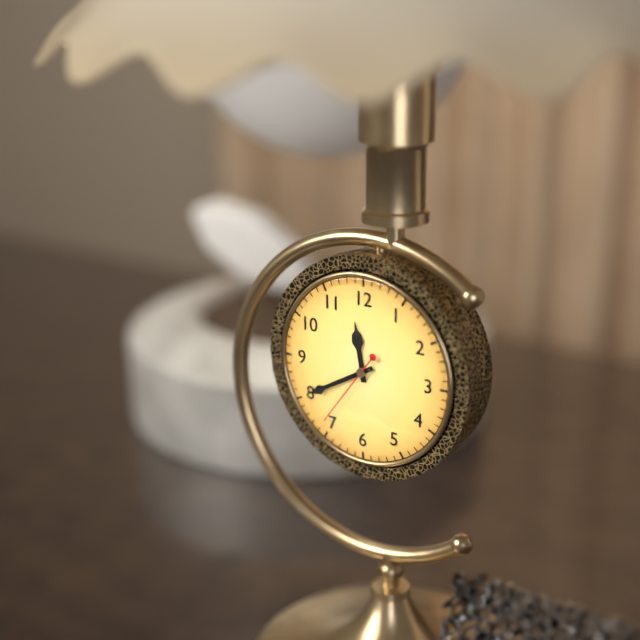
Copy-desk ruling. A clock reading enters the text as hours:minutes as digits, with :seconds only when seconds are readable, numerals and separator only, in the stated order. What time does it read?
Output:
11:40:36
